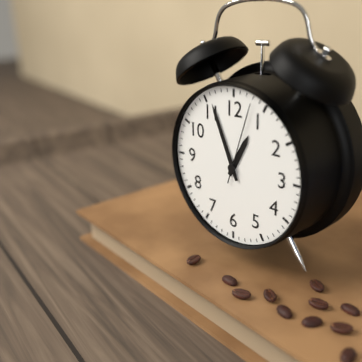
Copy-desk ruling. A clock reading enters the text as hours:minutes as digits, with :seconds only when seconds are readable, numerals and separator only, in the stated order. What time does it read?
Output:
12:56:03
